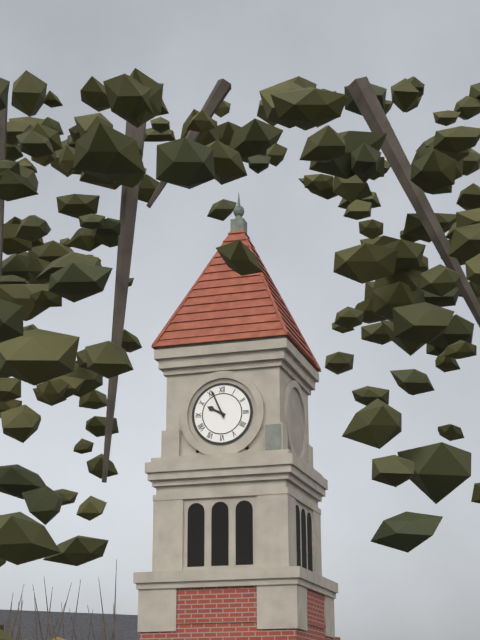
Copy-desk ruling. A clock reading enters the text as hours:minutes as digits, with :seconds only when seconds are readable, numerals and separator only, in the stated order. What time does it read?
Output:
9:56
